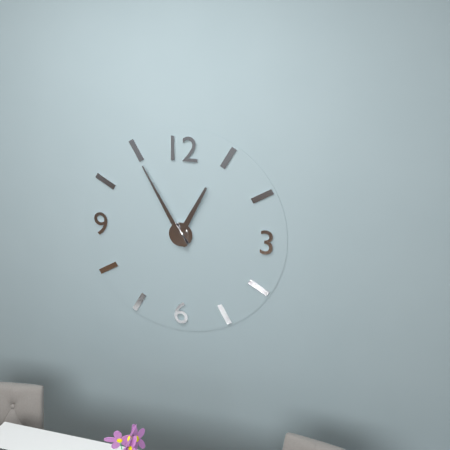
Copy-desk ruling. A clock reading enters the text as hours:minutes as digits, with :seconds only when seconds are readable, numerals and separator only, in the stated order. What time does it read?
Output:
12:55
